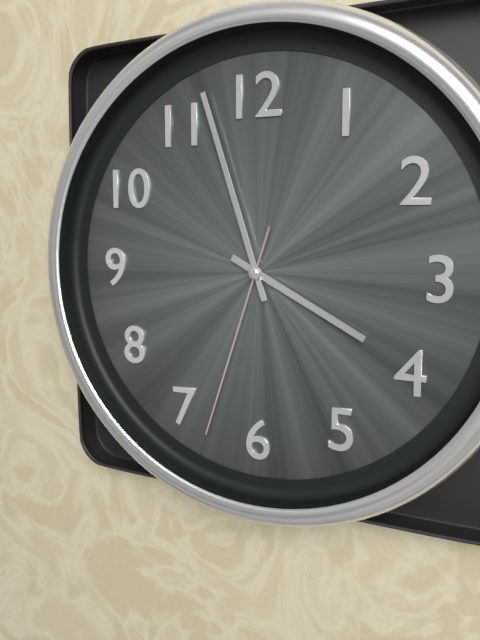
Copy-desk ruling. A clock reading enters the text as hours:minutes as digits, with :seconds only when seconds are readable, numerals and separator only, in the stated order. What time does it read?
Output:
3:57:33
